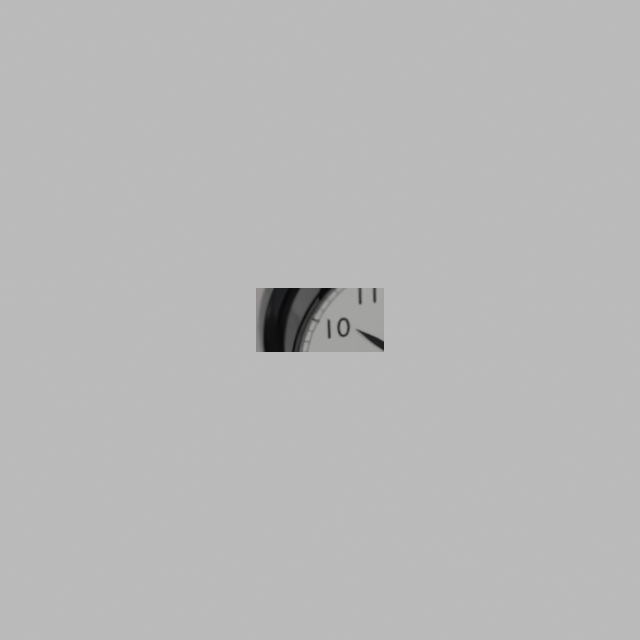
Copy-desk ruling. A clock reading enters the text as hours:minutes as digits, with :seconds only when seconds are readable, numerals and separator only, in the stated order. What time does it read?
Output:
10:14:43
